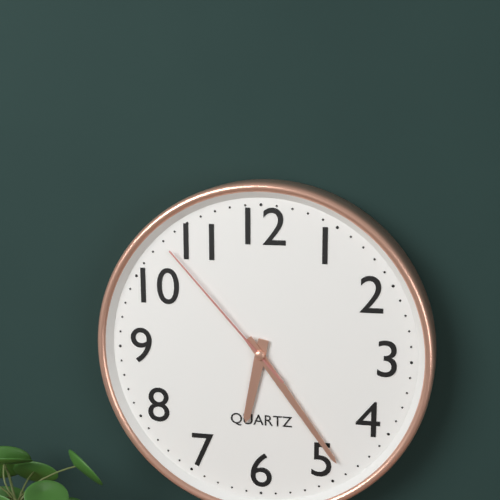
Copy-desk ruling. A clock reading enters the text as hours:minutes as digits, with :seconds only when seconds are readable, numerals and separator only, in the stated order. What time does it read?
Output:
6:24:53
